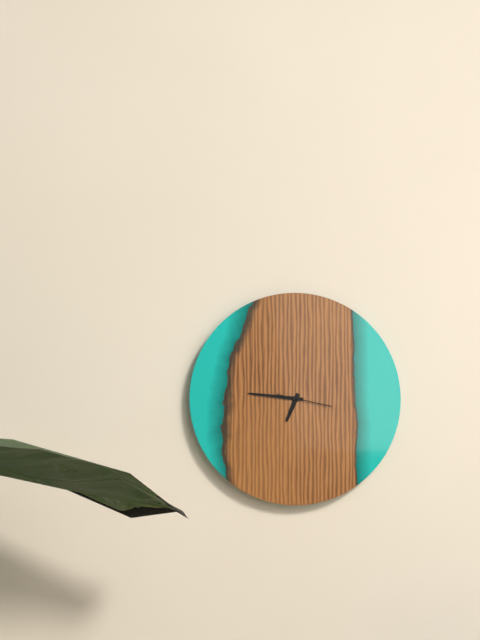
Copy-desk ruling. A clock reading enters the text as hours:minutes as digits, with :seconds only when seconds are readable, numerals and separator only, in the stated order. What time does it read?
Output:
6:46
